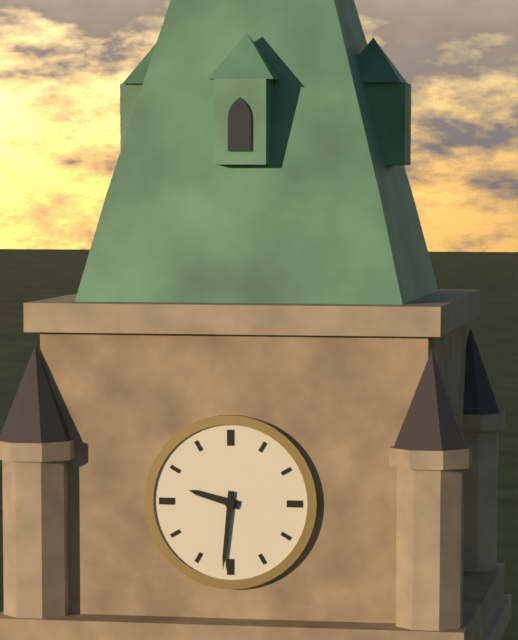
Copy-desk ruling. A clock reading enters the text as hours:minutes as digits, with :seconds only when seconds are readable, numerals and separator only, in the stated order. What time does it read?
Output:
9:31
